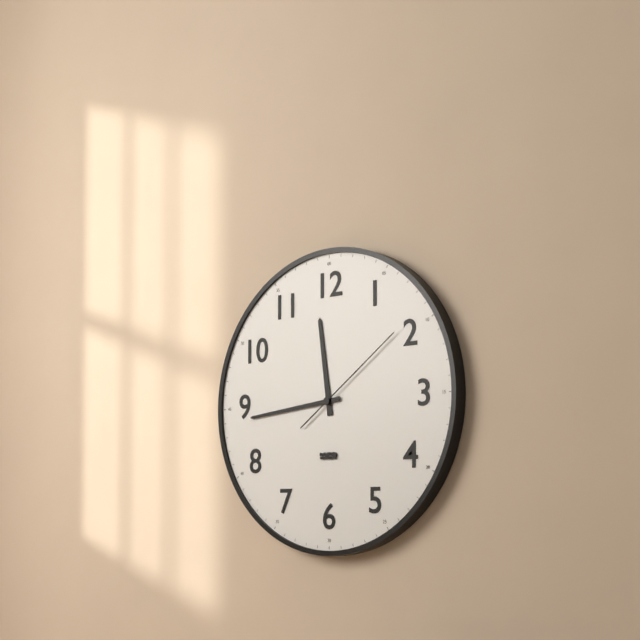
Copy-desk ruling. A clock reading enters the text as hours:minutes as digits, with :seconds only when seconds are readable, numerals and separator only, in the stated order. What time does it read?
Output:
11:44:09
